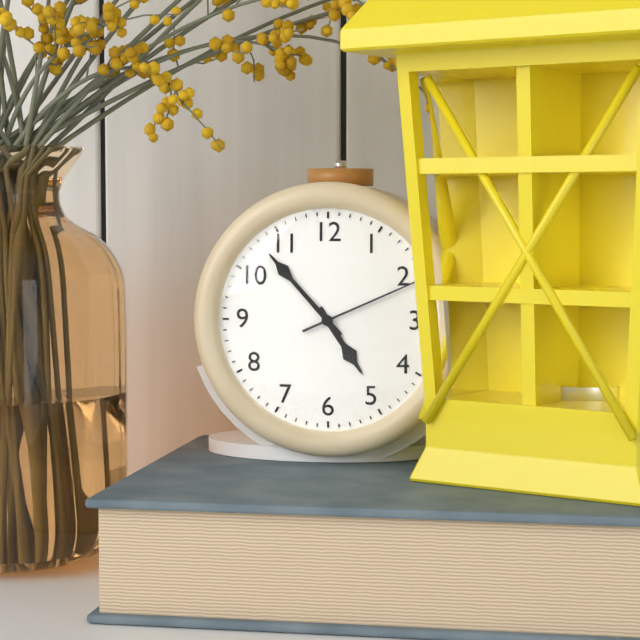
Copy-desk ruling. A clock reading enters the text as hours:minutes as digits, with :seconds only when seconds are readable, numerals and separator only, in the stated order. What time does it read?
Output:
4:53:11
